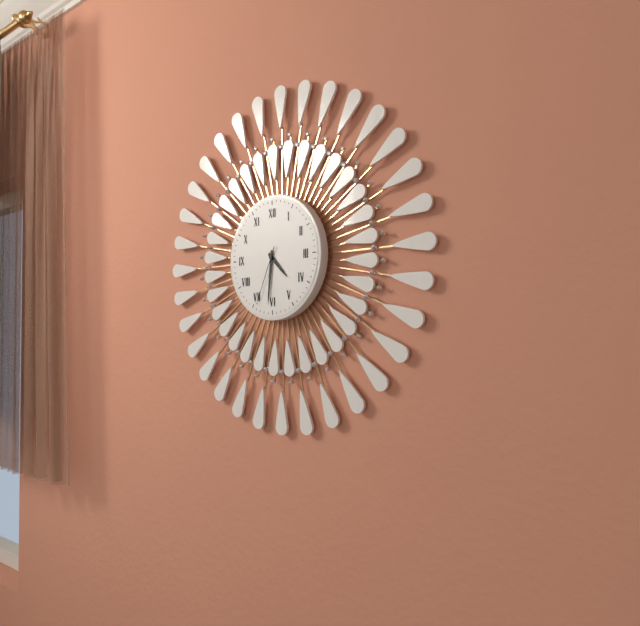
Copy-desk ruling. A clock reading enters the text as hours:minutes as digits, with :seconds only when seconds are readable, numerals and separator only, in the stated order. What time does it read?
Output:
4:31:34
